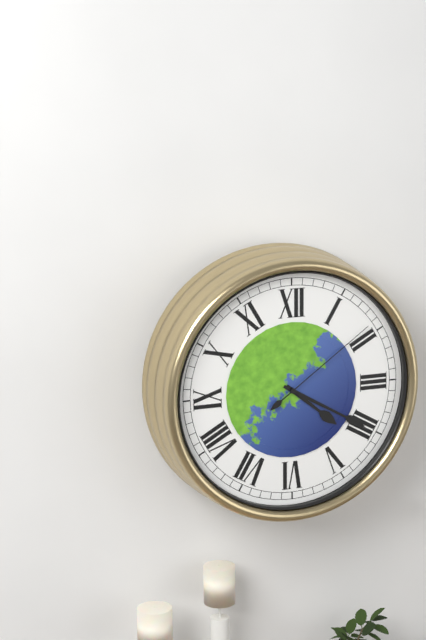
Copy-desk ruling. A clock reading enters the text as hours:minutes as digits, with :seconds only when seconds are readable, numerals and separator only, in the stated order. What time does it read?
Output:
4:20:09
